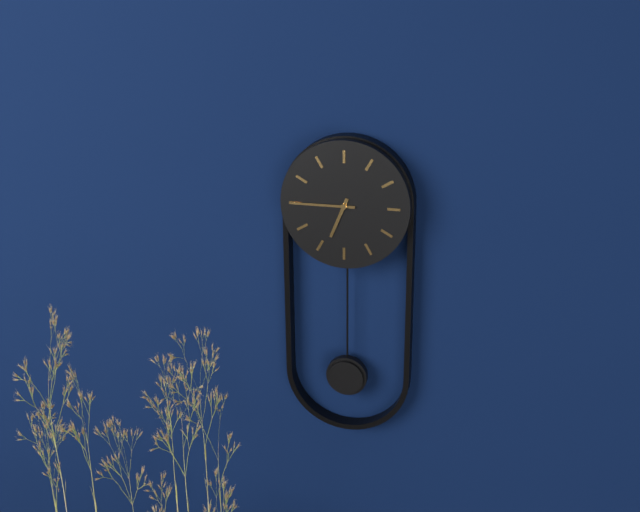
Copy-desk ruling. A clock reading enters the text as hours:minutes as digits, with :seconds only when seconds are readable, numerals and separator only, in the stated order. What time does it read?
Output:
6:45
